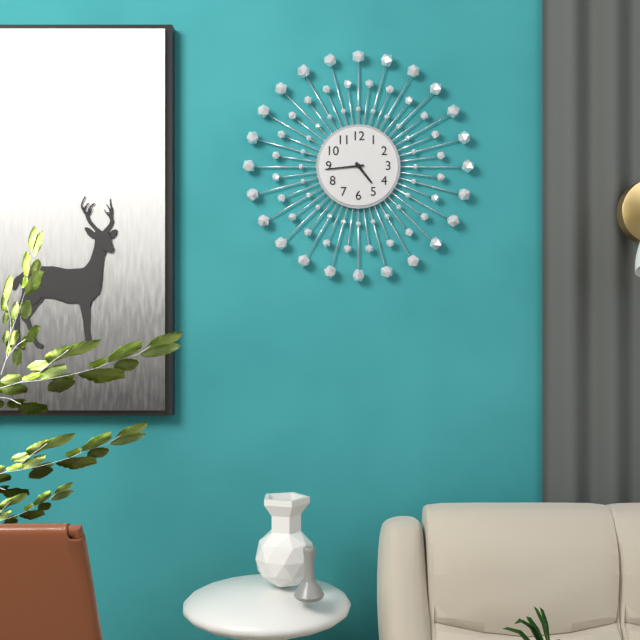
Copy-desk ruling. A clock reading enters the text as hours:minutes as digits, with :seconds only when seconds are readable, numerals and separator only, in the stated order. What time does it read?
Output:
4:44
